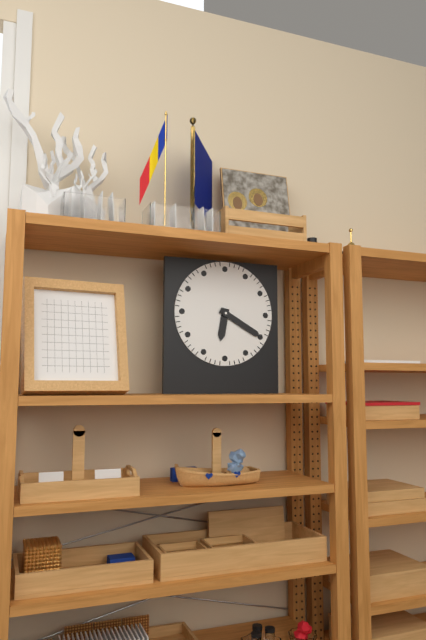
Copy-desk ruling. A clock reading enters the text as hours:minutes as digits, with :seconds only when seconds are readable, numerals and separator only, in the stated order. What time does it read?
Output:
6:20
